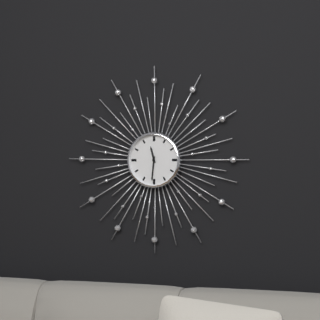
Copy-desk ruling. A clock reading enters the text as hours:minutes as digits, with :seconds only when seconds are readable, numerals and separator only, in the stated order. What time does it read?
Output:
11:31
